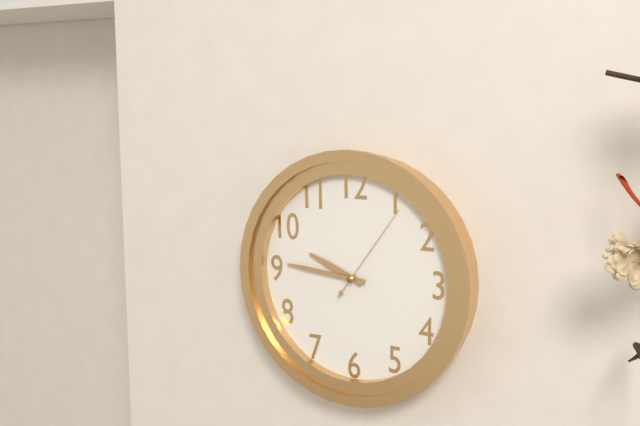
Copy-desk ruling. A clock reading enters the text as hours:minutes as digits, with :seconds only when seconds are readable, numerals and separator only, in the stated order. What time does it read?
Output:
9:46:06
